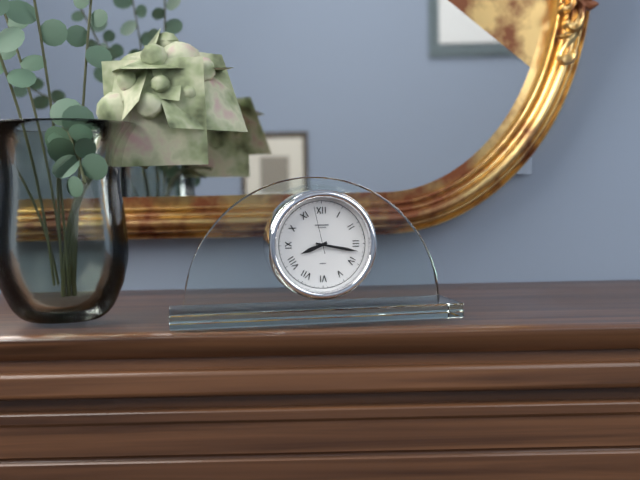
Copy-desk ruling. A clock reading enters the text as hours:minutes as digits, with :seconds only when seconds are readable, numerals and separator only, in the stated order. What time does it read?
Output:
8:17
